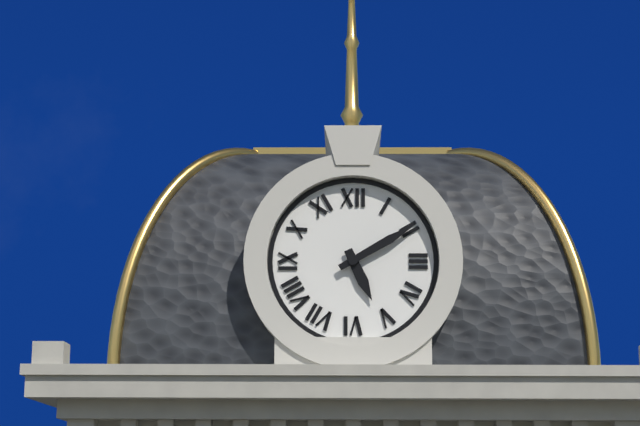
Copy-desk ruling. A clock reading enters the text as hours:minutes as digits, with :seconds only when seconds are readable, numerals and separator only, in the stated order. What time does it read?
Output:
5:10
